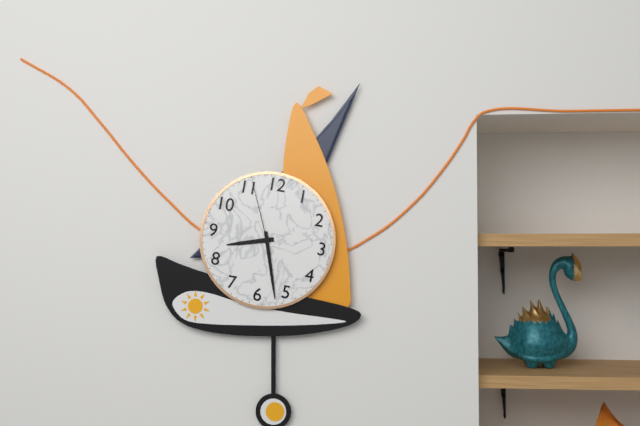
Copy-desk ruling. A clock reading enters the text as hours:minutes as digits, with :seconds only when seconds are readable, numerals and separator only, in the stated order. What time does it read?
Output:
8:27:56
